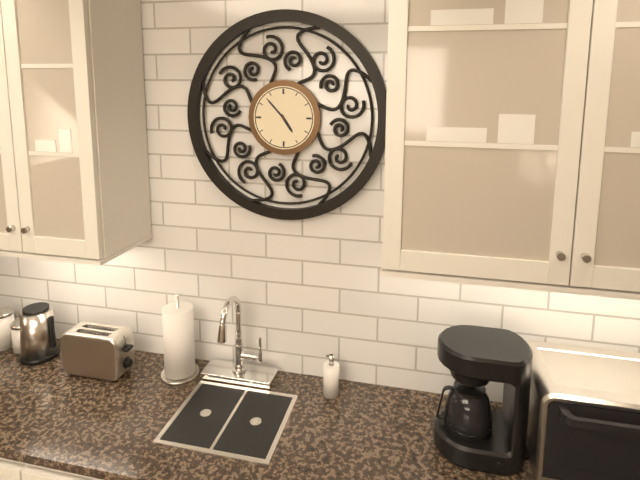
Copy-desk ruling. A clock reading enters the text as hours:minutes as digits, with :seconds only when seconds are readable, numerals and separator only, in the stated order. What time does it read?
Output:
4:53
